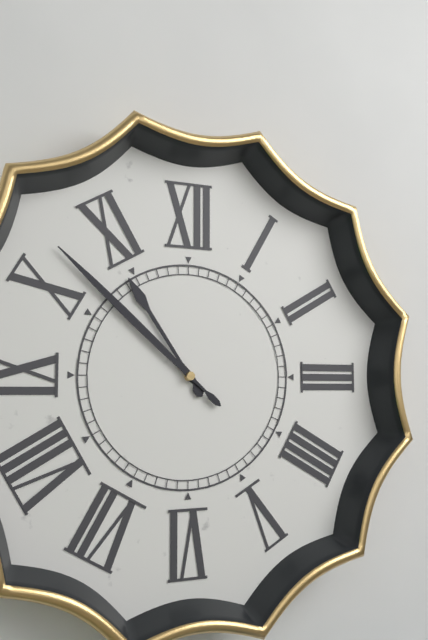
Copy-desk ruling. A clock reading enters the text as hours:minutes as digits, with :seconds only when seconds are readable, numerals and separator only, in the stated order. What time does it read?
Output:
10:52
